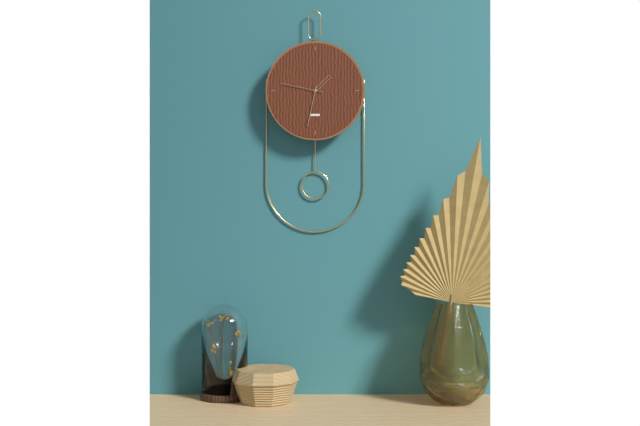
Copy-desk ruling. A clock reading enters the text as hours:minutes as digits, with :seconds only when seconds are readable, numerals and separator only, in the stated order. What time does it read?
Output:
1:32
